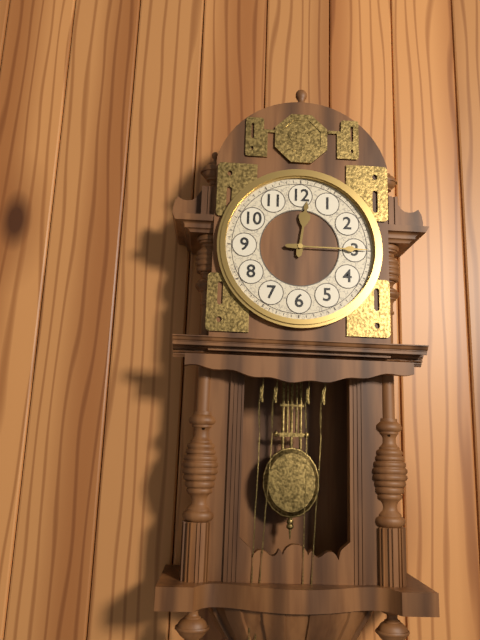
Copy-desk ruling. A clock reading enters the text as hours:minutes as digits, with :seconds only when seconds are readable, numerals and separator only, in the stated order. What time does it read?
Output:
12:15
